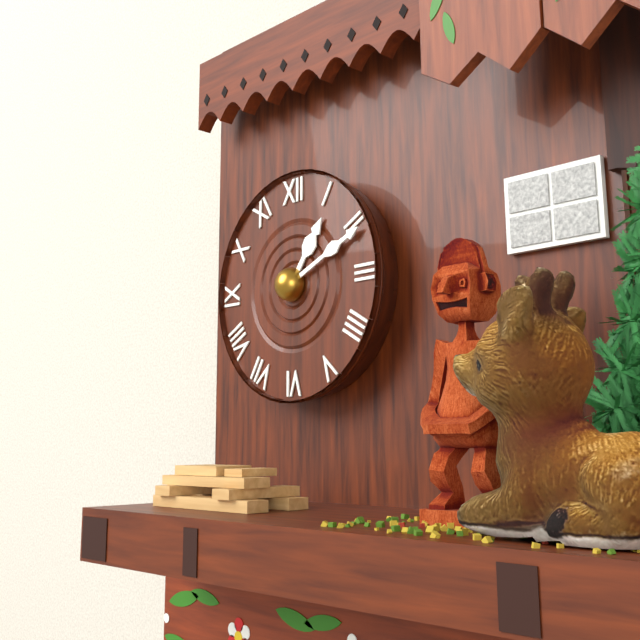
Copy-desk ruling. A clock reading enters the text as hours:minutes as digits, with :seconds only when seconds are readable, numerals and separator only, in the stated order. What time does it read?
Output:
1:11
